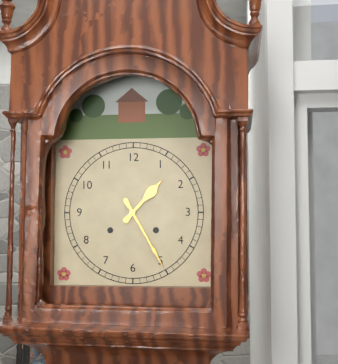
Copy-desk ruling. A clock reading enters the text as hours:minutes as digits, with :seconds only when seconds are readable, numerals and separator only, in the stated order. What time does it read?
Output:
1:25
